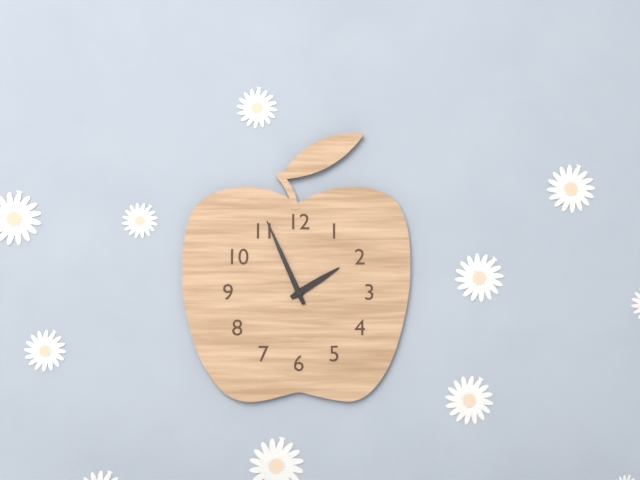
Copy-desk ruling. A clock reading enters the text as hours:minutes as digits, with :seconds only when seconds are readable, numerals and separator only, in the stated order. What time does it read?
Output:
1:56
